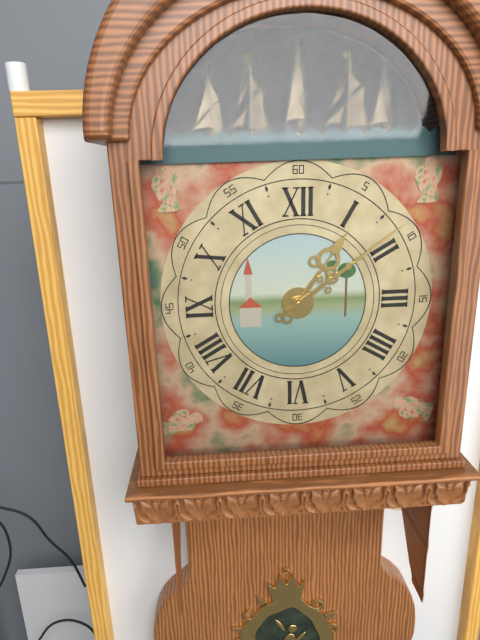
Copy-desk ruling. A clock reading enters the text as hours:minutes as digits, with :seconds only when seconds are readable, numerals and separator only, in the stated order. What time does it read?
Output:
1:09
